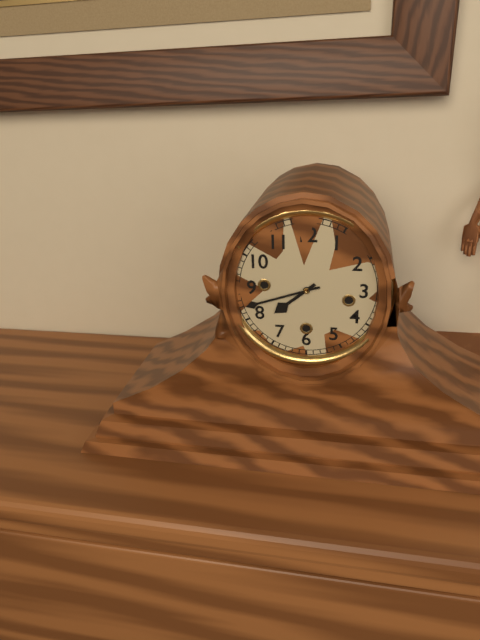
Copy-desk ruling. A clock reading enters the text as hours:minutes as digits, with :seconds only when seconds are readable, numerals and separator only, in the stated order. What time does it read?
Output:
7:42
